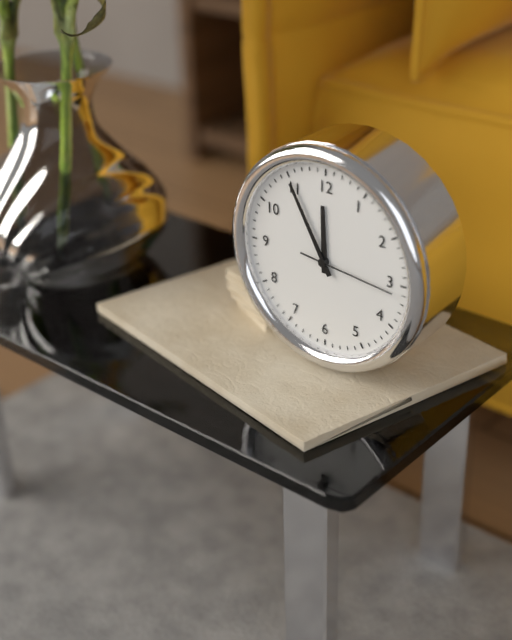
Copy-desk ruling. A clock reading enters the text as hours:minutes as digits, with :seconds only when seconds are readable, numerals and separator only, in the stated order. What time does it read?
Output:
11:55:16
